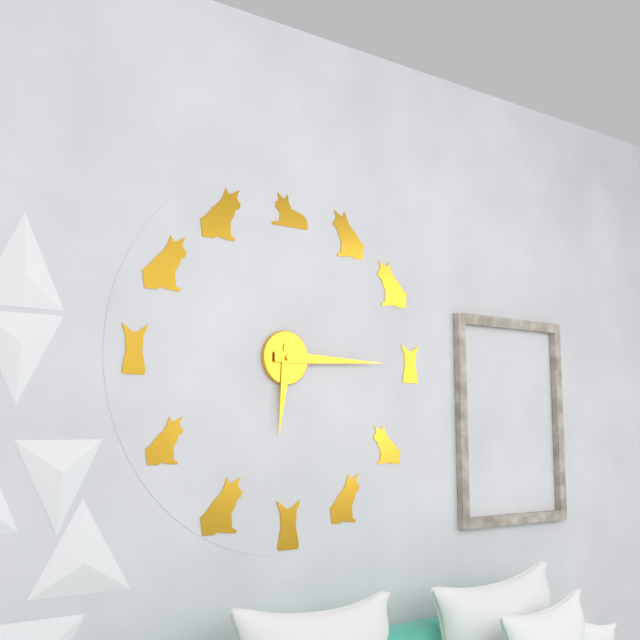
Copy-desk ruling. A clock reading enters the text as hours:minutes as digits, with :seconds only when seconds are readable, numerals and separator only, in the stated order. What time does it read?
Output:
6:15
